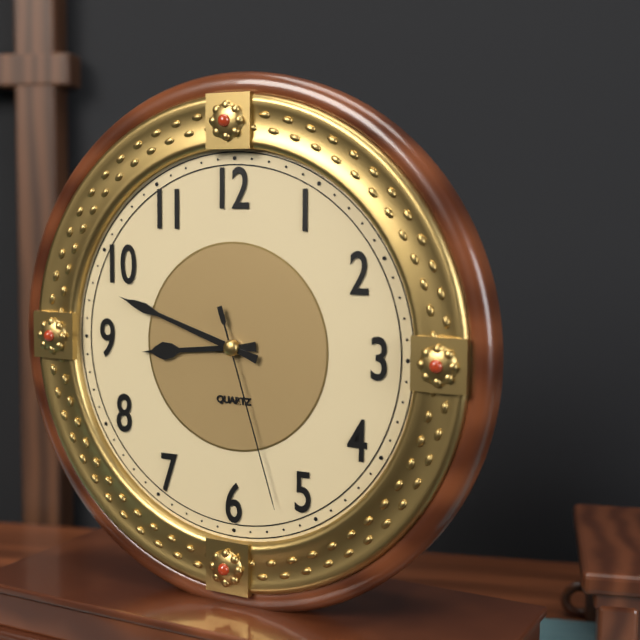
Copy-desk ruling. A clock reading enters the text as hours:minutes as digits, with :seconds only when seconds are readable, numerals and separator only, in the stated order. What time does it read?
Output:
8:48:27
